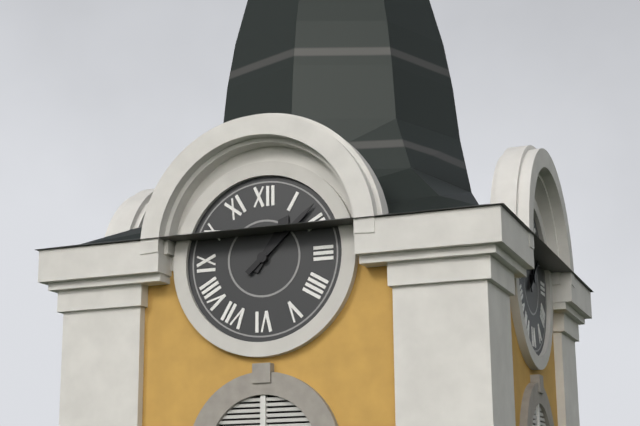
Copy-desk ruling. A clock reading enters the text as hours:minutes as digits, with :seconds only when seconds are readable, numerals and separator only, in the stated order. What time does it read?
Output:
1:08
